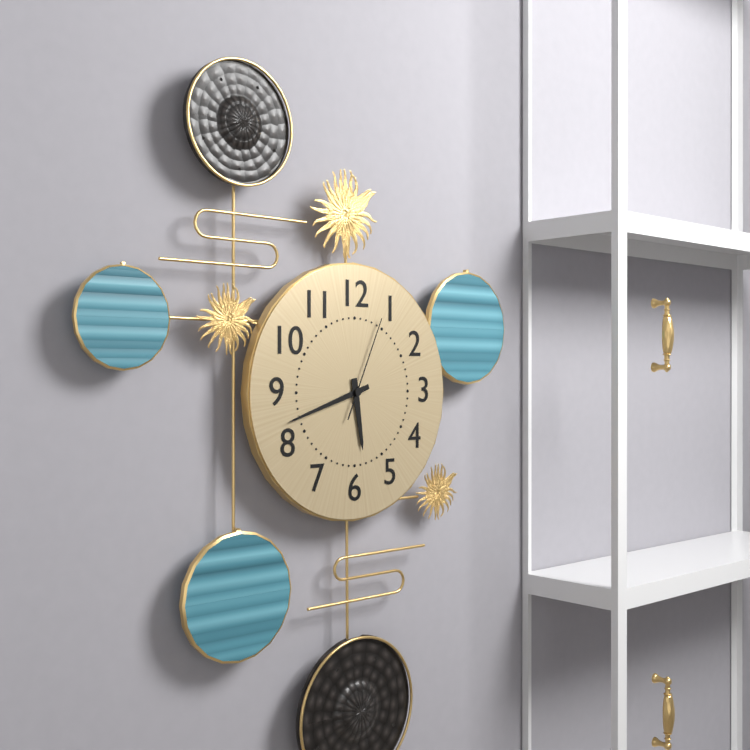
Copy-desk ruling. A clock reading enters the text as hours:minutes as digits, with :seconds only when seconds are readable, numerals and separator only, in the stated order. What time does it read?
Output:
5:42:04
